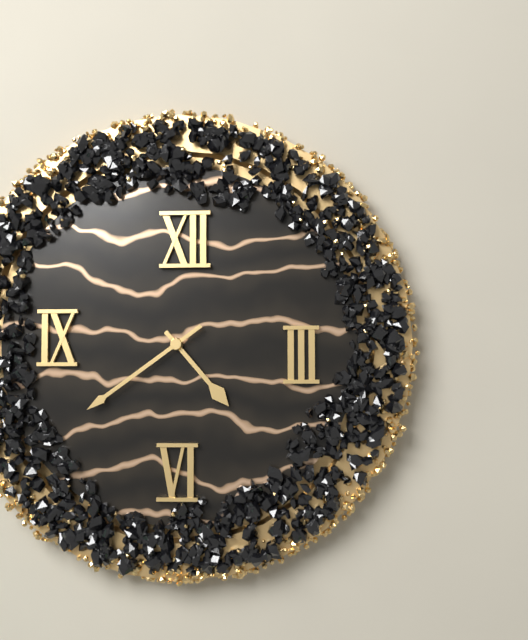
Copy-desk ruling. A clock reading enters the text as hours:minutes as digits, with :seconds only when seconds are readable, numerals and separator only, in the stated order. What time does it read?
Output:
4:39
